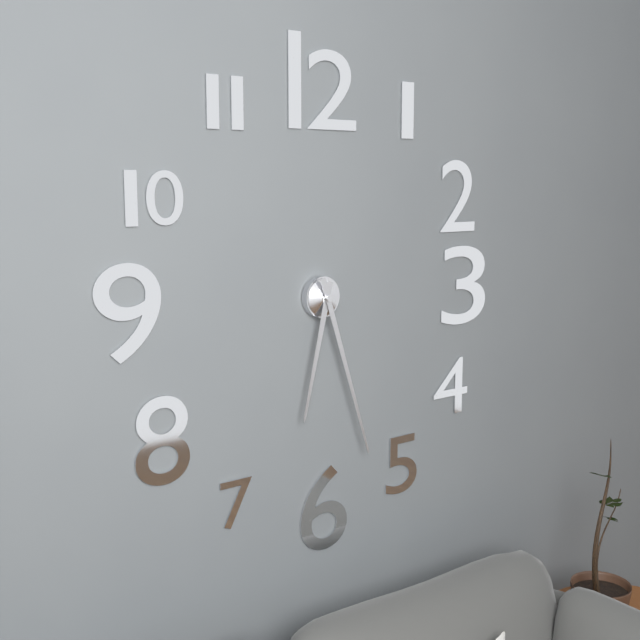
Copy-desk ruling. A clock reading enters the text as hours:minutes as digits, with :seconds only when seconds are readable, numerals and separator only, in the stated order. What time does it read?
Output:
6:27
